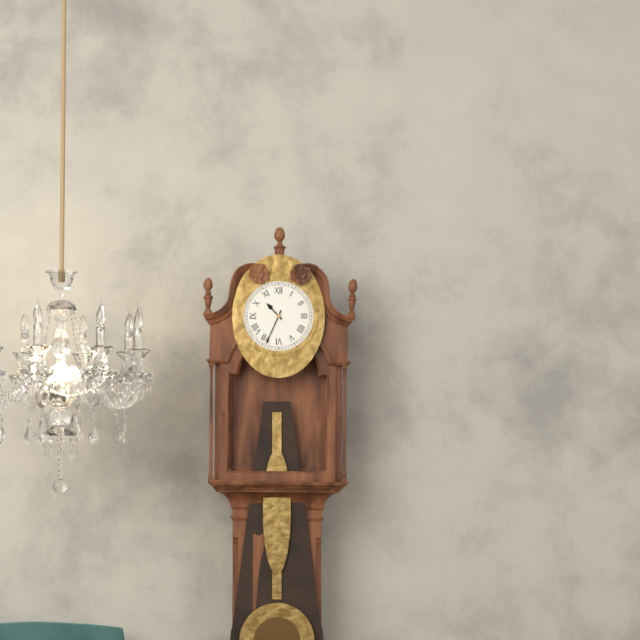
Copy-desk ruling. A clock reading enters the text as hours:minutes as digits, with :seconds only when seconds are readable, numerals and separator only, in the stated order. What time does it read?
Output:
10:34
